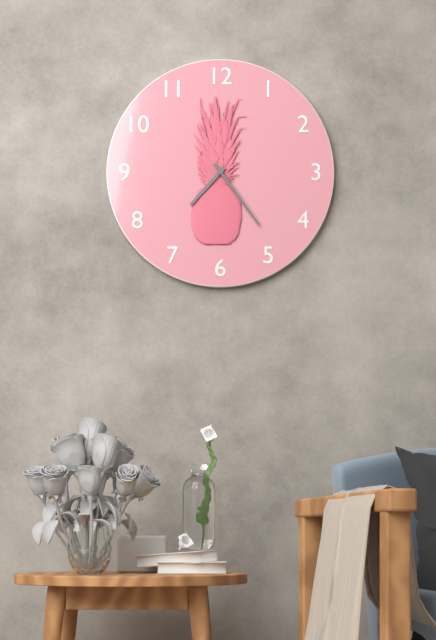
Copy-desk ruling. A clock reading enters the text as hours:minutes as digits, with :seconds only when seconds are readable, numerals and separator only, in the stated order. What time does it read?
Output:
7:24
